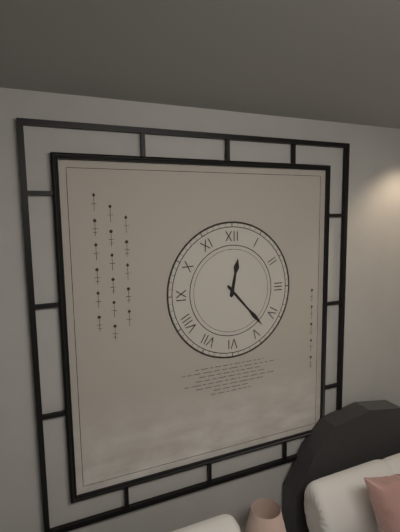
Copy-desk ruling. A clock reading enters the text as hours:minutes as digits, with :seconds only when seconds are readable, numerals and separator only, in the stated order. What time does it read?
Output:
12:23
